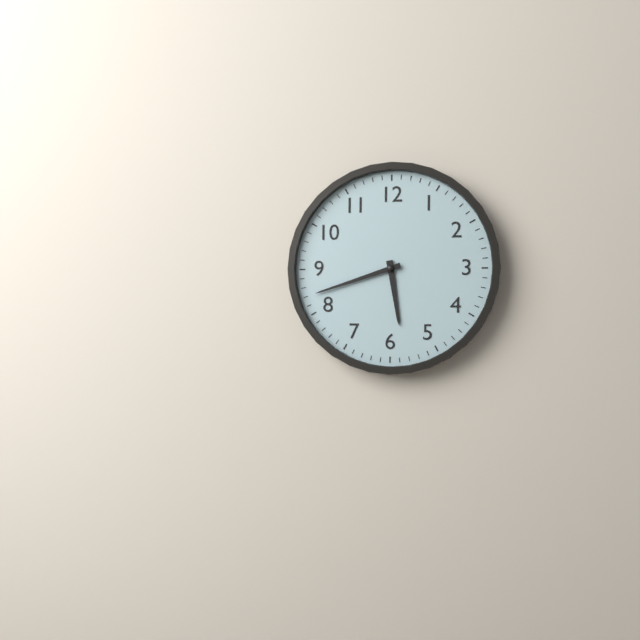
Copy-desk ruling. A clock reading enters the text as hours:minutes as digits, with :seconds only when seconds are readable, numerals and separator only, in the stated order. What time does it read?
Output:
5:42
